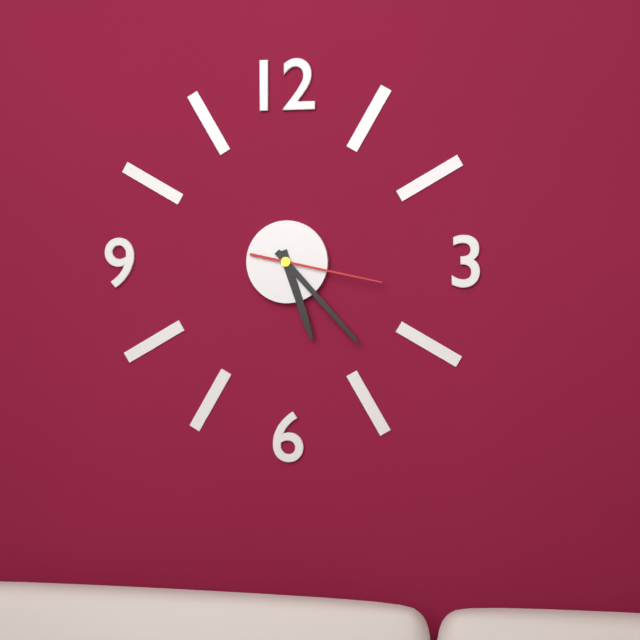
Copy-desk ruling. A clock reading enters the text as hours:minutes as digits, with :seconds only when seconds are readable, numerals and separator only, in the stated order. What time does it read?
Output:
5:23:17
